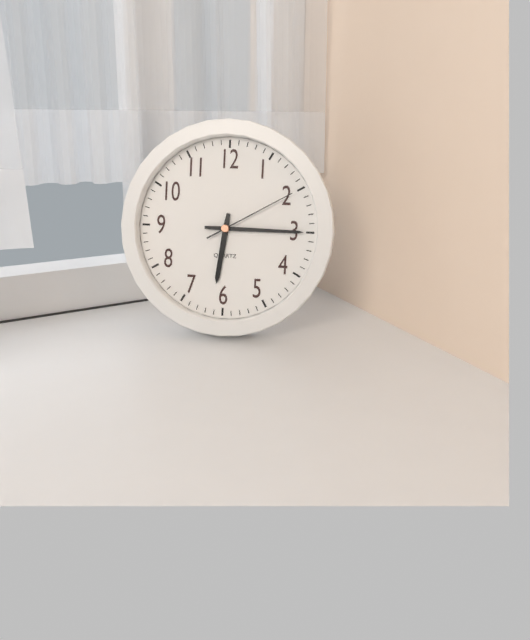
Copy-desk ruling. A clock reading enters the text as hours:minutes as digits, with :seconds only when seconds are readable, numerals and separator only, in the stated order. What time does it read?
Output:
6:15:10
